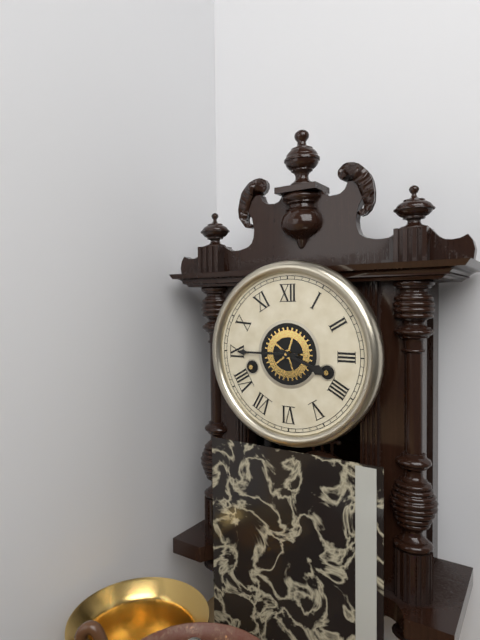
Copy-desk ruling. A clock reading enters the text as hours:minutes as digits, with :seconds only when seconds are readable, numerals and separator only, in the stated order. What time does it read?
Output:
3:45
